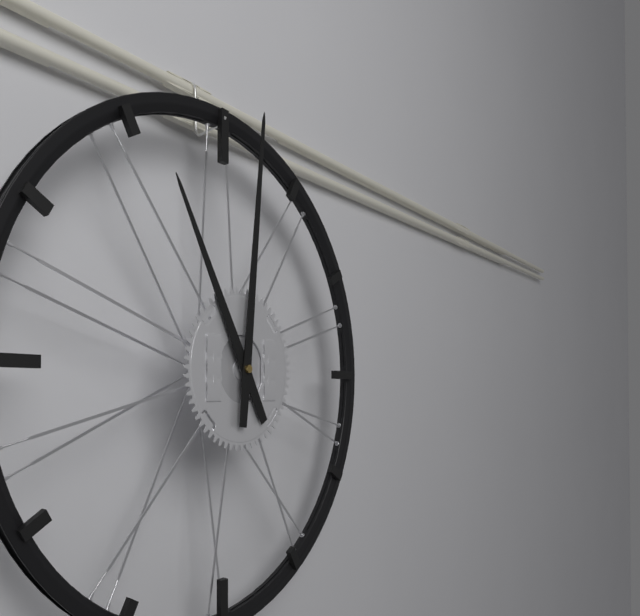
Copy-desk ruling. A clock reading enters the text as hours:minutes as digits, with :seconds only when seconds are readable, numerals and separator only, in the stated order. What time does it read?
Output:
11:01
